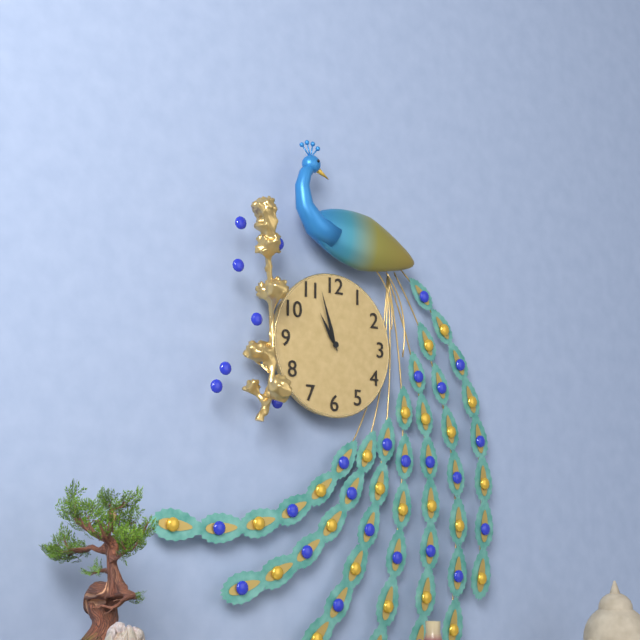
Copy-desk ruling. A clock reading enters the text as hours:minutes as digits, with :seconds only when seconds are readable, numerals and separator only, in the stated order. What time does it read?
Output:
10:57
